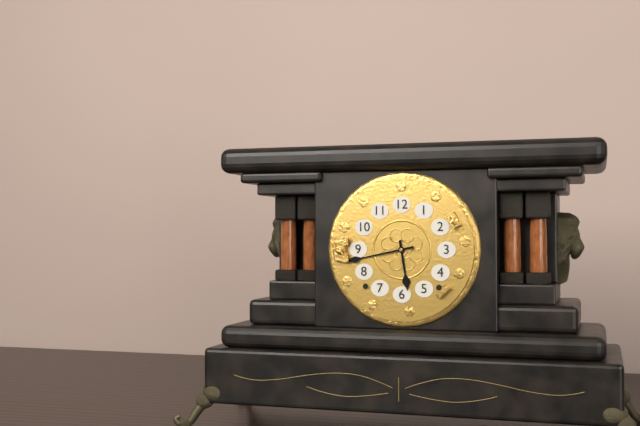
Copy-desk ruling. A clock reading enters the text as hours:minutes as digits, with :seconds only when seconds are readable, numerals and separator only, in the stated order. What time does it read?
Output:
5:43
